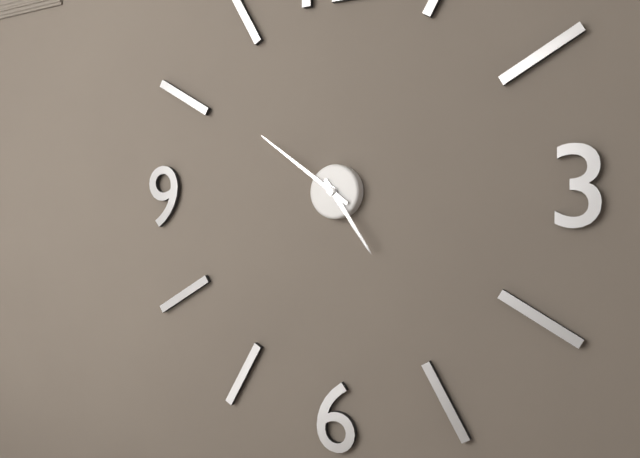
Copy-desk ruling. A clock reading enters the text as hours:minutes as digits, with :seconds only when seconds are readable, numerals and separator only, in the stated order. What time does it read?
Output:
4:51
